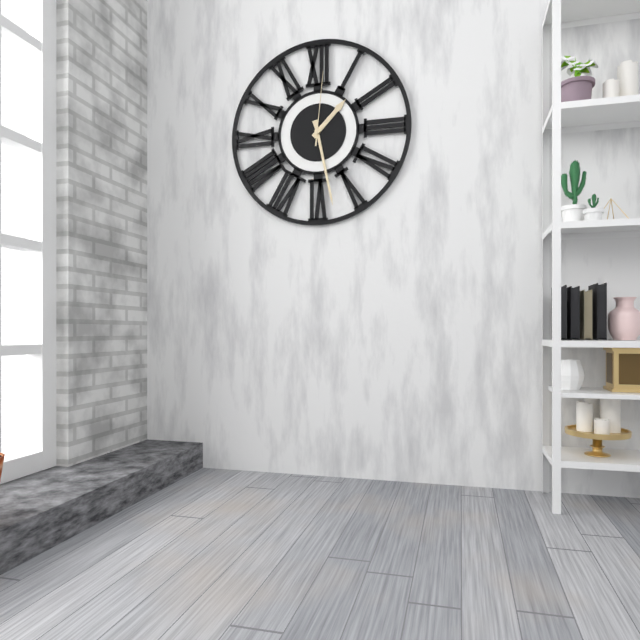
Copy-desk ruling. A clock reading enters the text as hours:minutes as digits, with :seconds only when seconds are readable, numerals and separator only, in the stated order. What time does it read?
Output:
1:28:01
